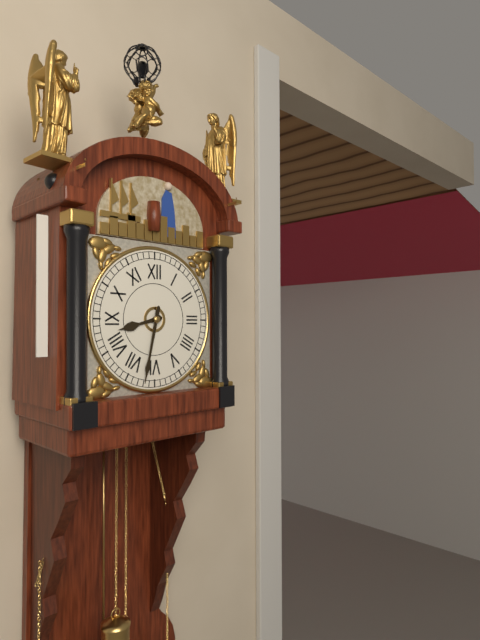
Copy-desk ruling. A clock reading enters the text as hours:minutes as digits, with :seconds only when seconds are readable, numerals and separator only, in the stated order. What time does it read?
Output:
8:32
